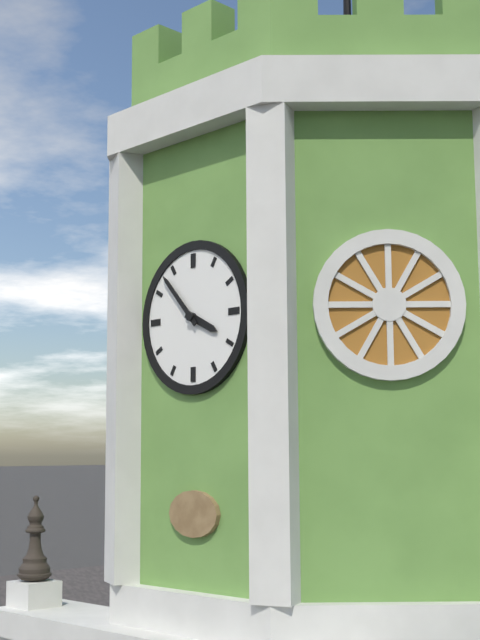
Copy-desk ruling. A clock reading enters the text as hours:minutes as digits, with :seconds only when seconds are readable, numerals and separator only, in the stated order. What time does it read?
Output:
3:53
